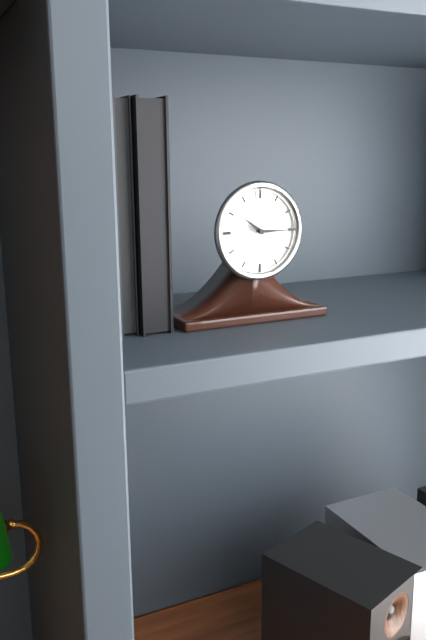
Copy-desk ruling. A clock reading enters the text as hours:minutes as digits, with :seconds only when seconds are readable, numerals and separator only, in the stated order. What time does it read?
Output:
10:15
